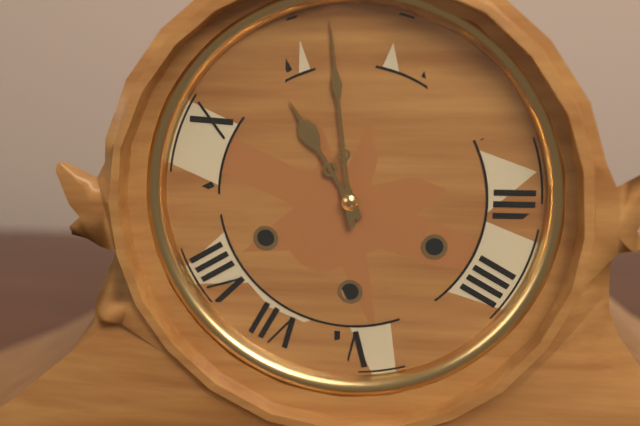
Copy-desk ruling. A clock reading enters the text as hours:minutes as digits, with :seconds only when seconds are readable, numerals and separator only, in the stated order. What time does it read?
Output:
10:59
